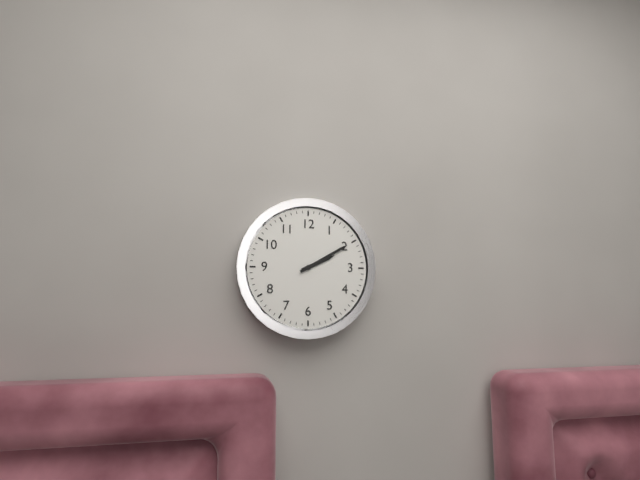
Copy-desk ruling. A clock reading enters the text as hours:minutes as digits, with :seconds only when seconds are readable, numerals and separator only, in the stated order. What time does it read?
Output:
2:10
